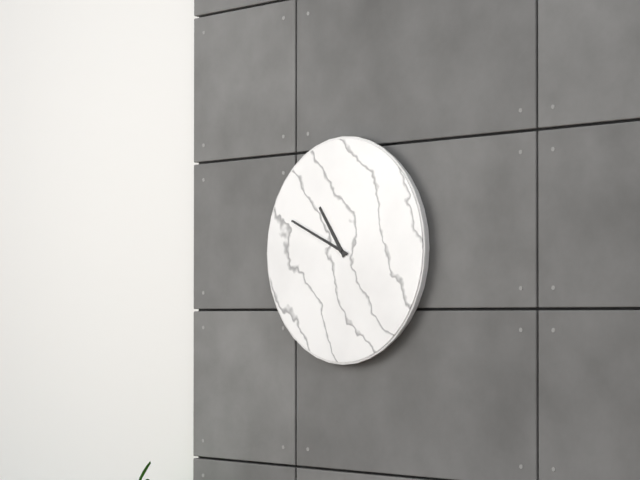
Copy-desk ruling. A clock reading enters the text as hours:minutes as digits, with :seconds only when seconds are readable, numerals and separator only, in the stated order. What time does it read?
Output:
10:49
